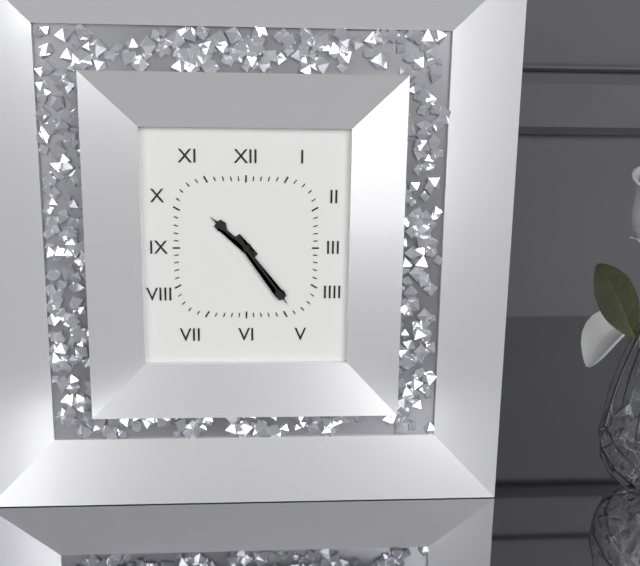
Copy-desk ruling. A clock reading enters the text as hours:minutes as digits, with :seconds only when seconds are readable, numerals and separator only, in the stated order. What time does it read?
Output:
10:24
